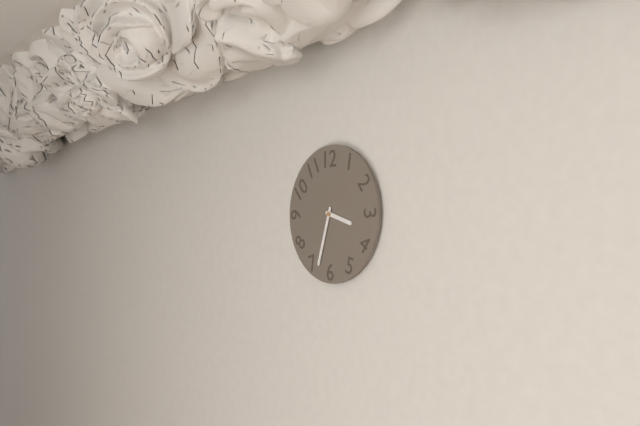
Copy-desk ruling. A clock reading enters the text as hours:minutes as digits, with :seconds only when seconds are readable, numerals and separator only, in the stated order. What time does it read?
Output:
3:33
